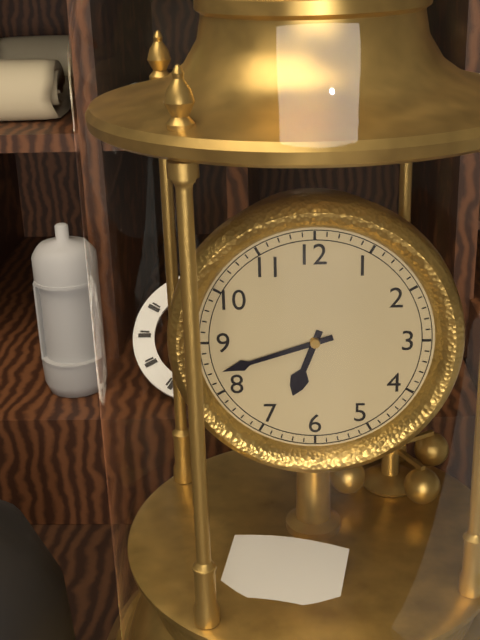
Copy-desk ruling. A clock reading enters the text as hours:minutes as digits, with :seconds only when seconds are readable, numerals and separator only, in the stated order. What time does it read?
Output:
6:42
